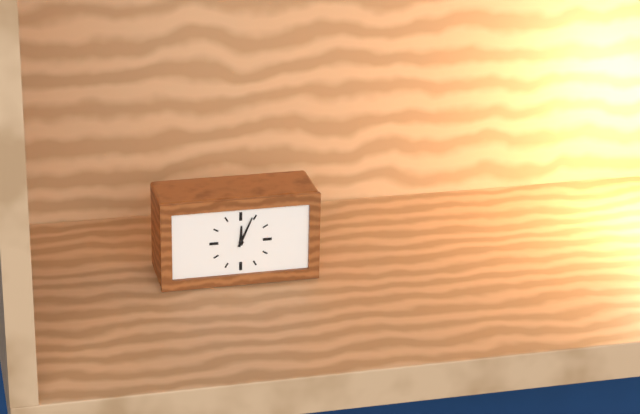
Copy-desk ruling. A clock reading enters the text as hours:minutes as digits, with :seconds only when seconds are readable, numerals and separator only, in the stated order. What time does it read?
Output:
12:04
